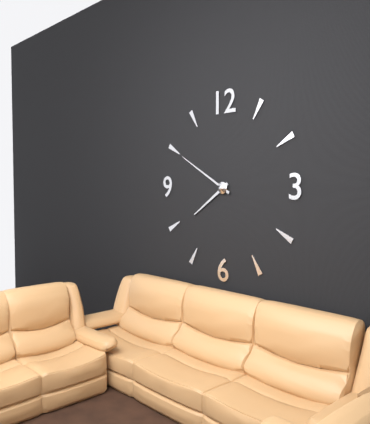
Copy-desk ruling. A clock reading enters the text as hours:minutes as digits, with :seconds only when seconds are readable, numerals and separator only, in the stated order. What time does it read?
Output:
7:50
